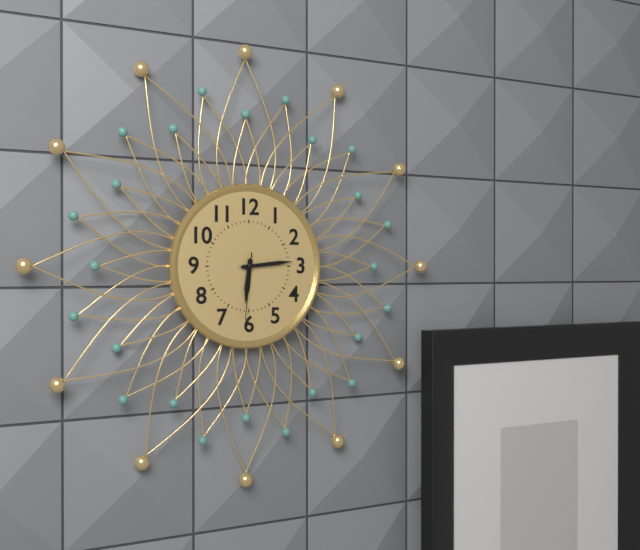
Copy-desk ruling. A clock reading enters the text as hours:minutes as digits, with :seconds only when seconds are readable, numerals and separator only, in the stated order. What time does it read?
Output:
6:14:31
